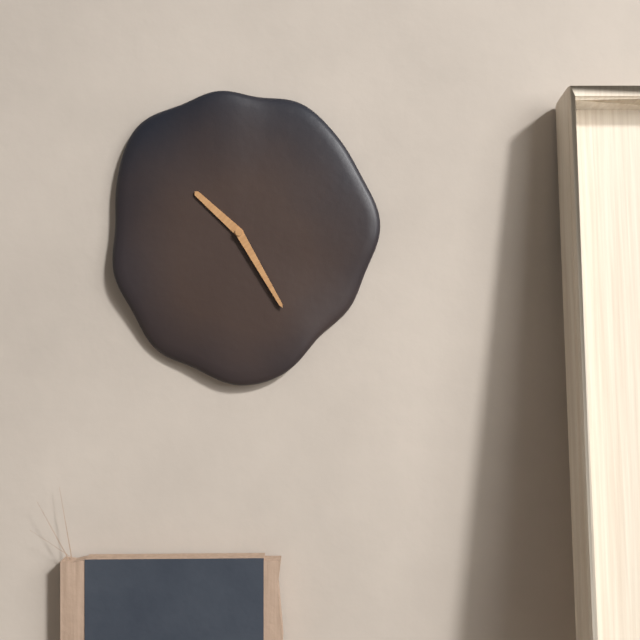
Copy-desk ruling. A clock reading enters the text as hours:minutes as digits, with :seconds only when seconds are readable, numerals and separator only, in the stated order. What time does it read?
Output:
10:25
